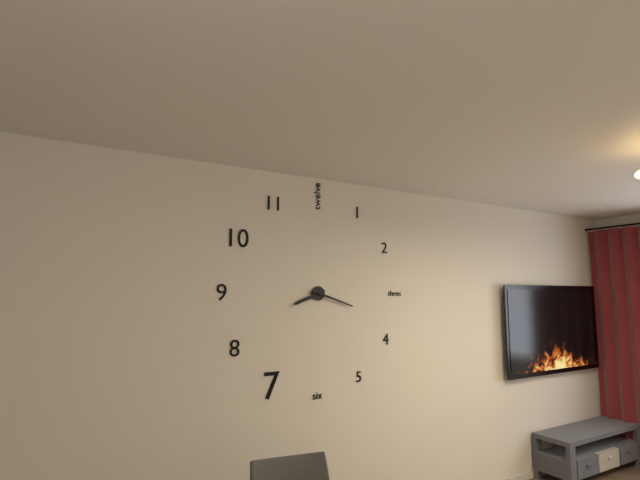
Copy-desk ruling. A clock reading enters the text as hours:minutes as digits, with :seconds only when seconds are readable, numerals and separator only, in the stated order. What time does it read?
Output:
8:18
